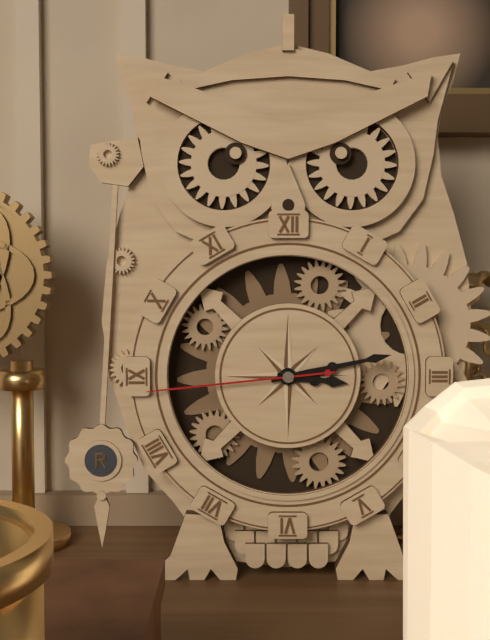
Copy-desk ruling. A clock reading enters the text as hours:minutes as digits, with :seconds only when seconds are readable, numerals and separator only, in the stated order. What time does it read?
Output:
3:13:44
